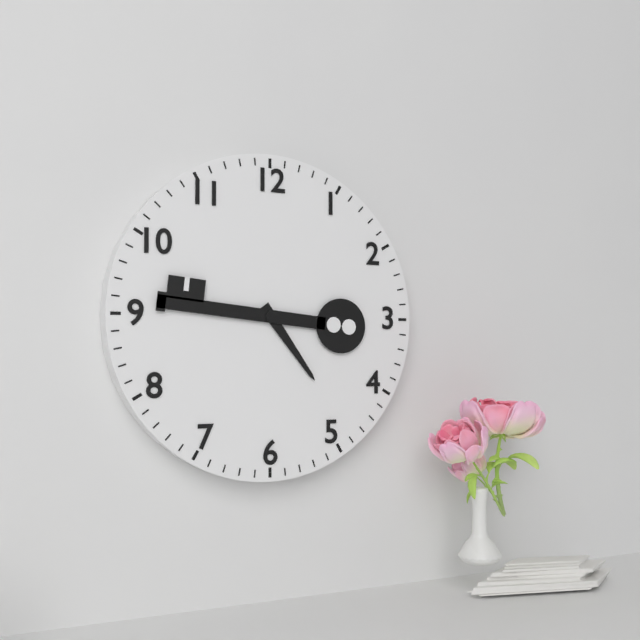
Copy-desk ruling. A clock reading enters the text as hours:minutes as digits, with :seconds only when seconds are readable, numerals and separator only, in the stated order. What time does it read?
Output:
4:46
